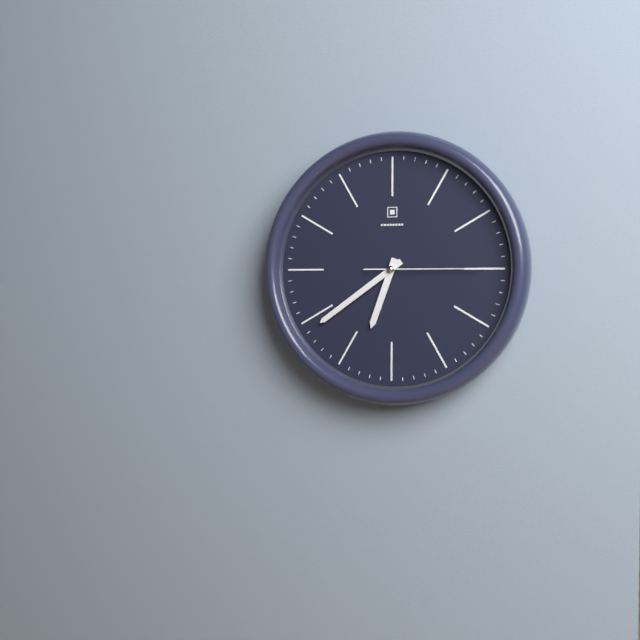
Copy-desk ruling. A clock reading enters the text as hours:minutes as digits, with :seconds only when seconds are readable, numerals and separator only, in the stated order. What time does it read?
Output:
6:39:15
